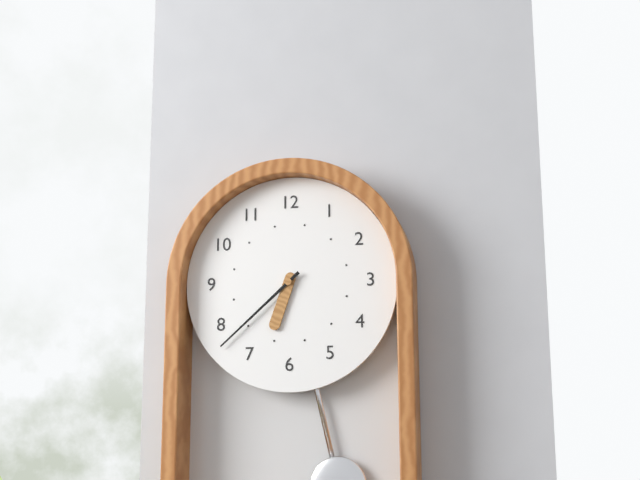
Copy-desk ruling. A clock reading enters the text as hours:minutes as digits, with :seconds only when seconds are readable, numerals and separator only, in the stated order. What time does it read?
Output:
6:38
